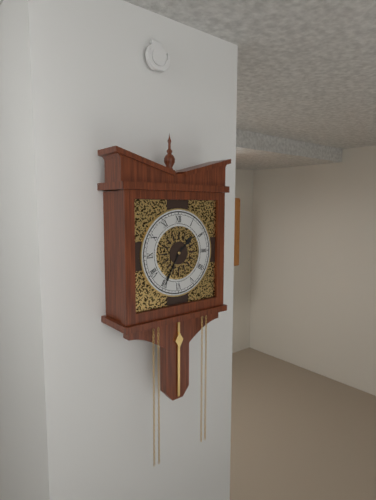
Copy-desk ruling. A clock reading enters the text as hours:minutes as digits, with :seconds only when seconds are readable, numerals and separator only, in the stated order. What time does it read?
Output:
1:35
